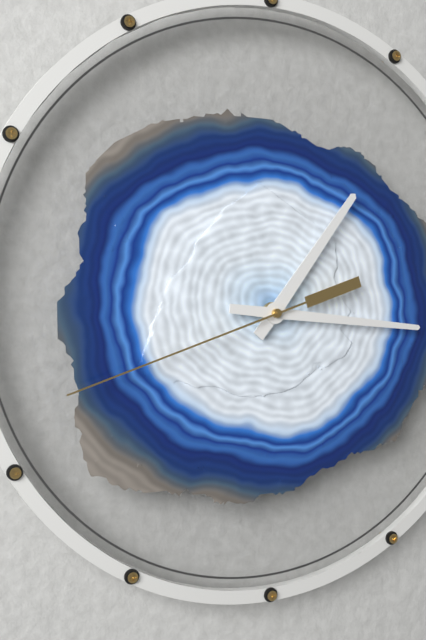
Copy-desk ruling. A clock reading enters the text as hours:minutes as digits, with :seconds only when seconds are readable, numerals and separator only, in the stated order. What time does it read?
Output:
1:16:42
